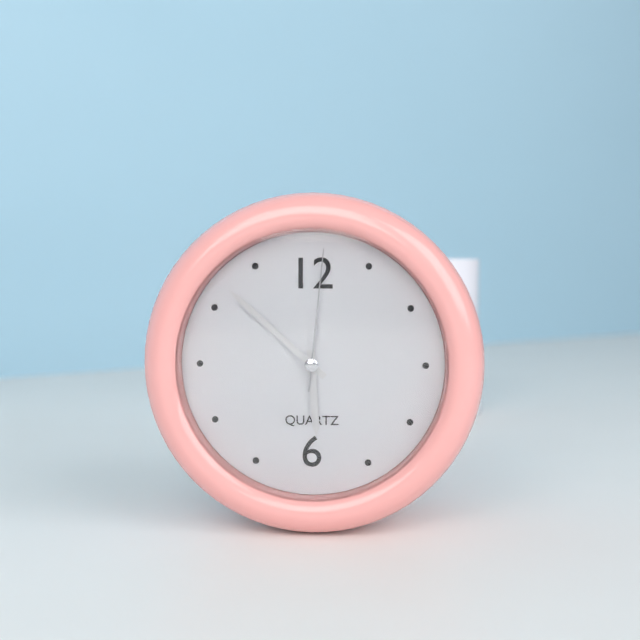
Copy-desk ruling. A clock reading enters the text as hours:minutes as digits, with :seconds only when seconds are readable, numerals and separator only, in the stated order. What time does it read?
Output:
5:52:01
